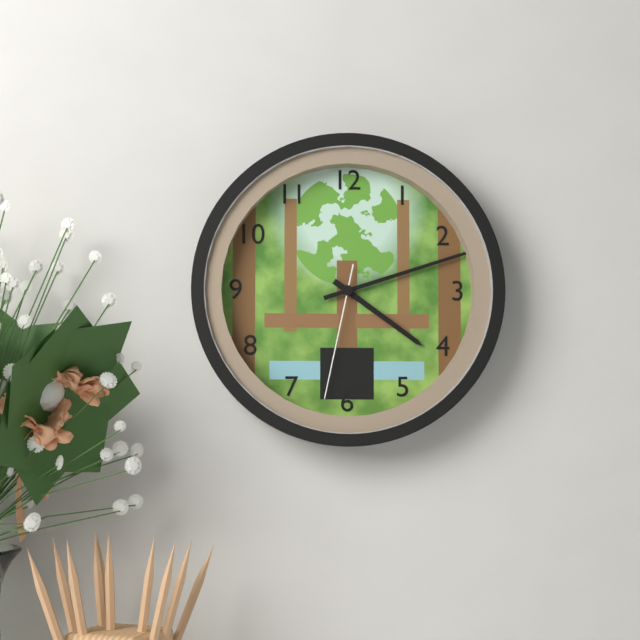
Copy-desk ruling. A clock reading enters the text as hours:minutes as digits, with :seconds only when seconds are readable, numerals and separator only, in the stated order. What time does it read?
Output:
4:12:32
